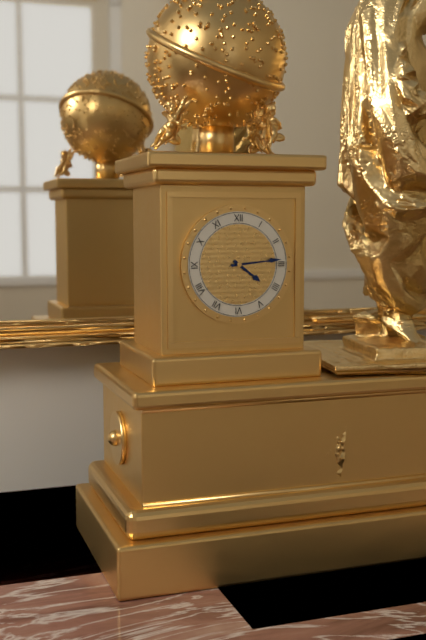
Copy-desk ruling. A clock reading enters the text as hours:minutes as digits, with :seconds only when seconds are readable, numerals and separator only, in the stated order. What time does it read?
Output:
4:14
